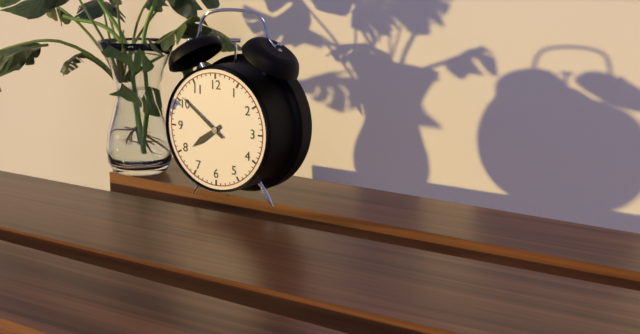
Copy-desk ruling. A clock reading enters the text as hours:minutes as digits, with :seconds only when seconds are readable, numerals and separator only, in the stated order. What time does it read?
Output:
7:51
